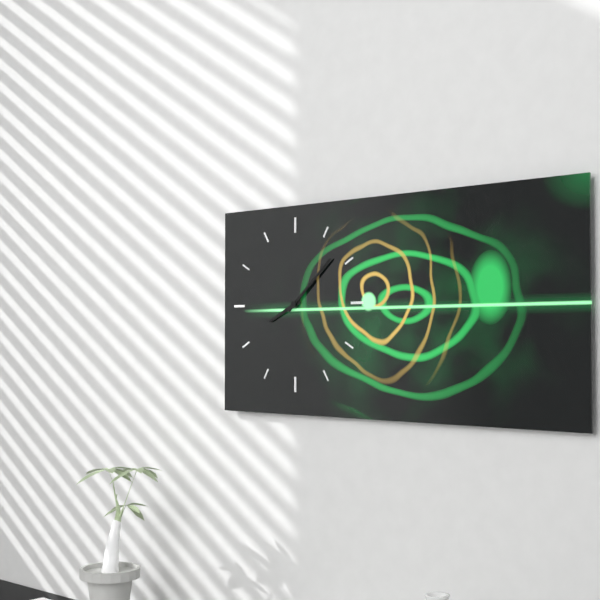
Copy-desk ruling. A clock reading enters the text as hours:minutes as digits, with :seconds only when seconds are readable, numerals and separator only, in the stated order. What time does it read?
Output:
8:08
